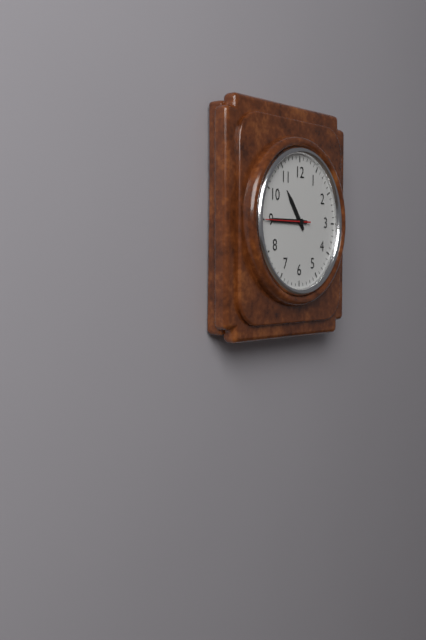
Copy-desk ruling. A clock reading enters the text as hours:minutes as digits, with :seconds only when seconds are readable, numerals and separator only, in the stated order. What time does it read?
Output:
10:45
